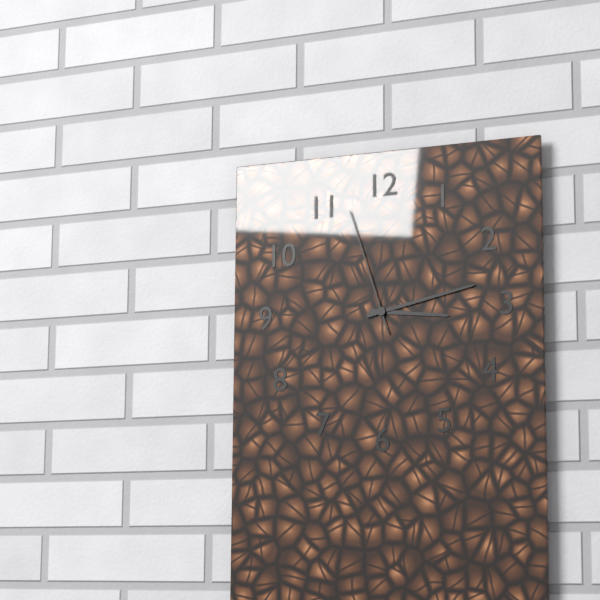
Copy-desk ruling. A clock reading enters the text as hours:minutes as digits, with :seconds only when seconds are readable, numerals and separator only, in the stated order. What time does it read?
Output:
3:13:57
